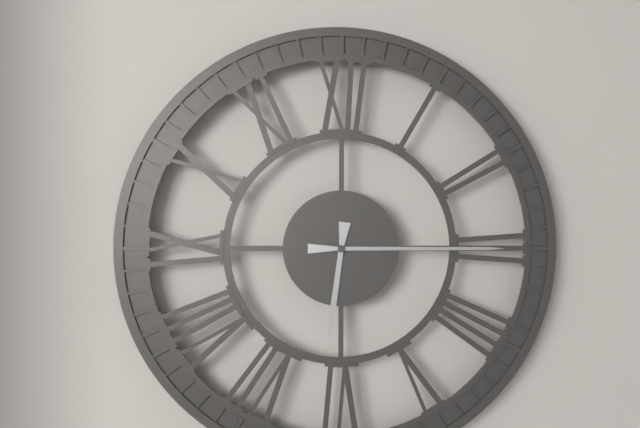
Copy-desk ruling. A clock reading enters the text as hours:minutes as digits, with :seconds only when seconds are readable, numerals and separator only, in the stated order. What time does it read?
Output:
6:15
